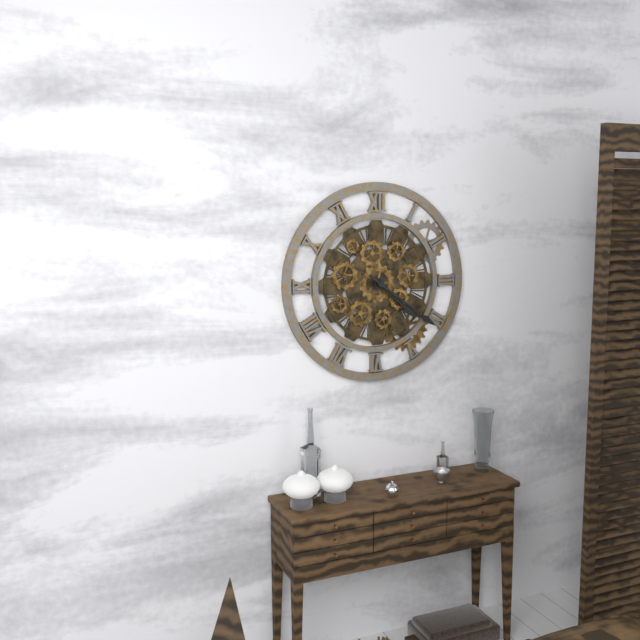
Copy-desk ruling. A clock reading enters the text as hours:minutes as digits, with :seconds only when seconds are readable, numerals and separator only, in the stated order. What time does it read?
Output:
4:21
